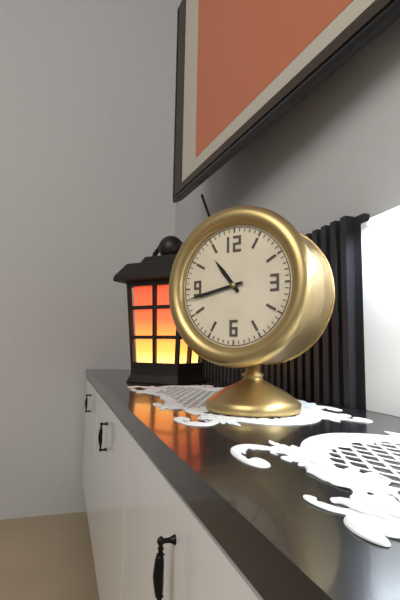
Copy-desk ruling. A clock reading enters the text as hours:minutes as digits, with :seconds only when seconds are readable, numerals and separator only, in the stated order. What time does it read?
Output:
10:43
